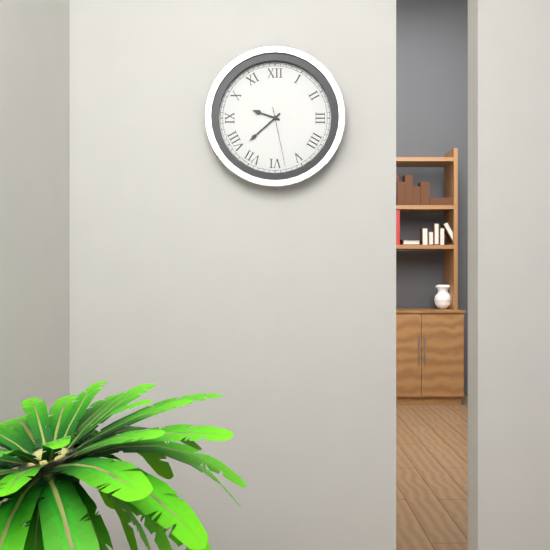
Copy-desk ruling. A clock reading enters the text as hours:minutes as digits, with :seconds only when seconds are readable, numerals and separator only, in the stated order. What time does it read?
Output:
9:38:28
